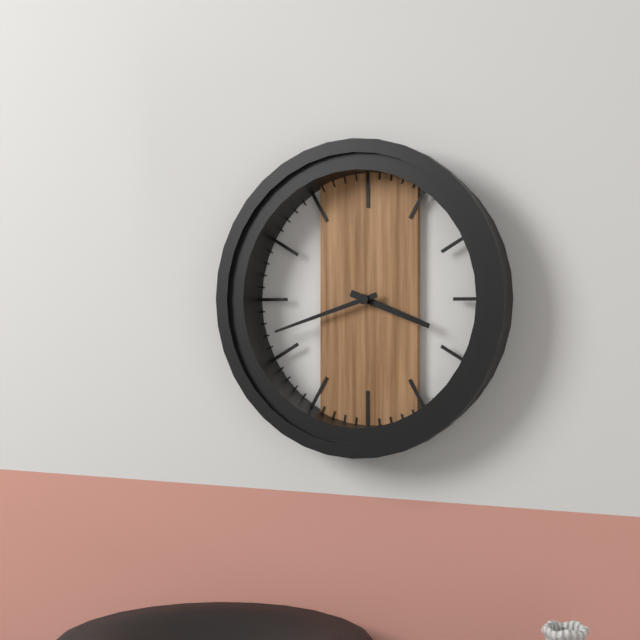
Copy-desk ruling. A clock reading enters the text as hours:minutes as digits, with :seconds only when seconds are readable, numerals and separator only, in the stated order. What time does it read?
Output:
3:42
